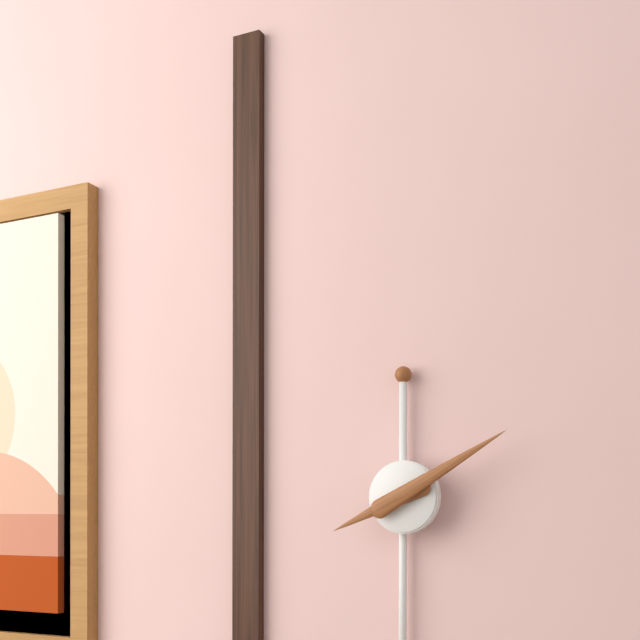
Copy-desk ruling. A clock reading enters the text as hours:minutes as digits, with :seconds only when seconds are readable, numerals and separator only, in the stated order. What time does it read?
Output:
8:10
